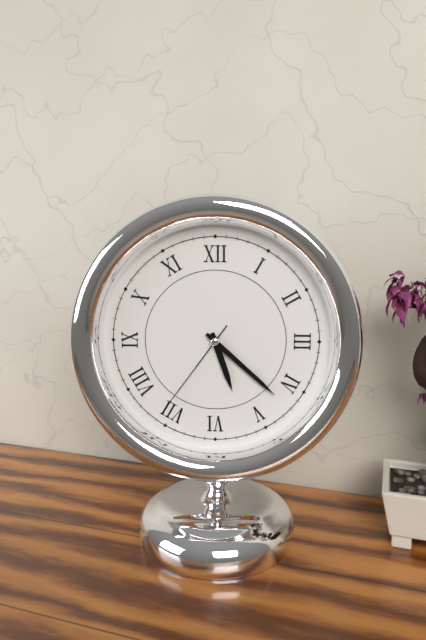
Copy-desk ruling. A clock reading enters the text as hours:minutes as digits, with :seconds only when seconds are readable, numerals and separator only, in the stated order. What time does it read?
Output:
5:22:36
